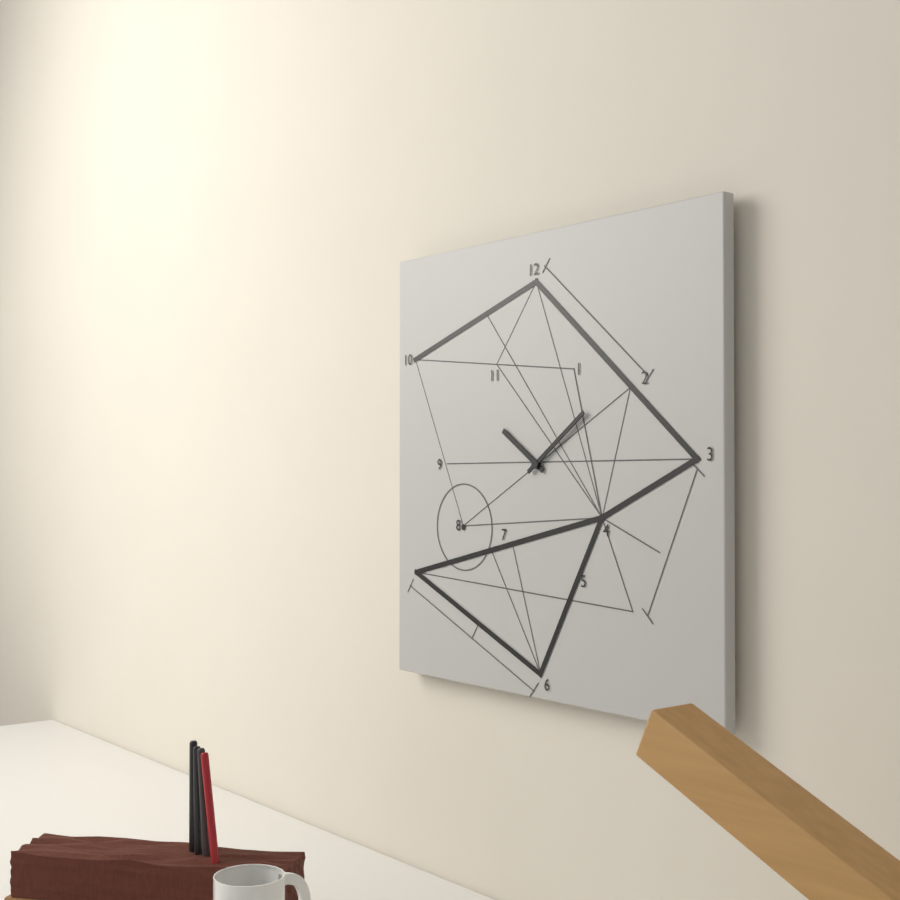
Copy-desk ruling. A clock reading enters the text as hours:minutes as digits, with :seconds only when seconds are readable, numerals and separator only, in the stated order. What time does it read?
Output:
10:09
